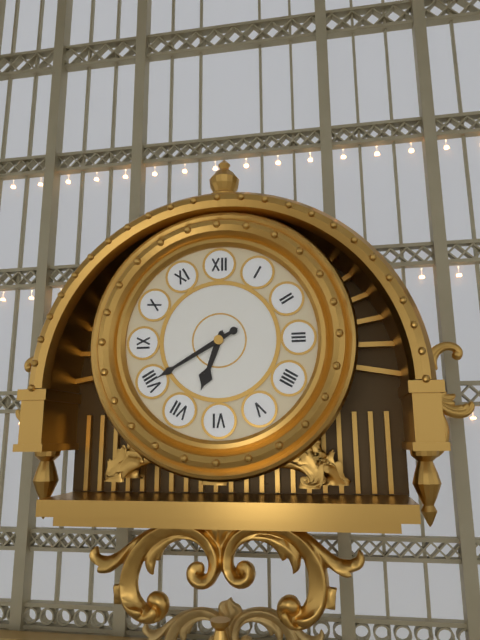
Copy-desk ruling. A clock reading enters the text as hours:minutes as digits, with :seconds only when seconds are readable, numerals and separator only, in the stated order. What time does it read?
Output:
6:40
